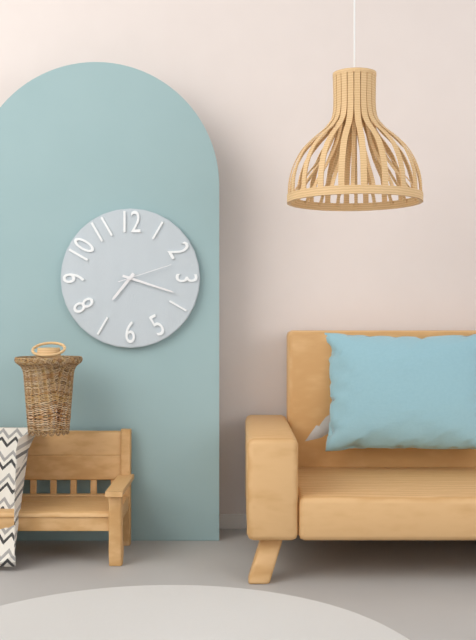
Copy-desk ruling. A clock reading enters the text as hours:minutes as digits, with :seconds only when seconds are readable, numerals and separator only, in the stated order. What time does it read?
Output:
7:18:12
